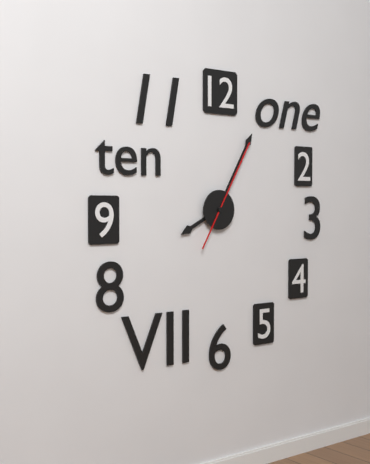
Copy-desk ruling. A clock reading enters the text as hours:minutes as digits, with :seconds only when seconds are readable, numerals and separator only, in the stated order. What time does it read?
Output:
8:05:05
